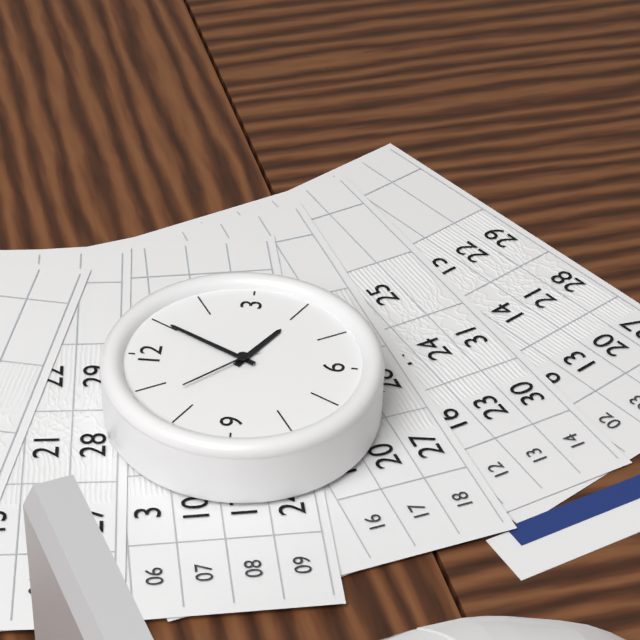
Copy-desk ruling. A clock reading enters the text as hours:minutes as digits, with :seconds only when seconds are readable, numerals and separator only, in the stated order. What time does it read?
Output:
4:05:53
